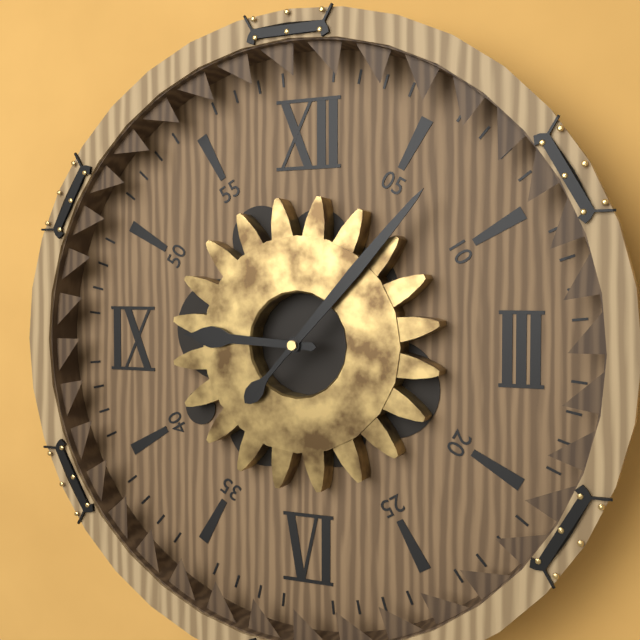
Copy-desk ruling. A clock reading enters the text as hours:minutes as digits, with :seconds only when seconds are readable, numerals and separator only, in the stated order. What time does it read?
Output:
9:07
